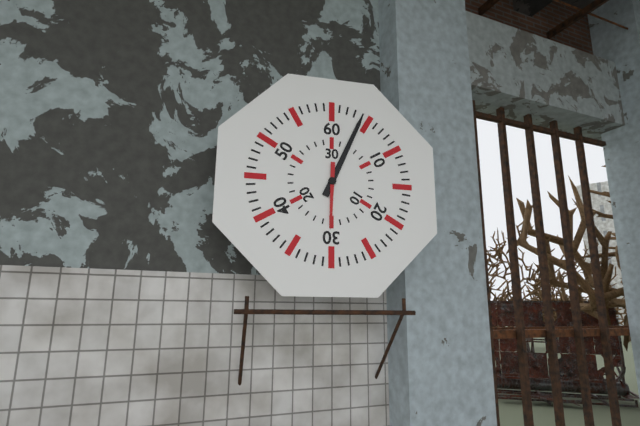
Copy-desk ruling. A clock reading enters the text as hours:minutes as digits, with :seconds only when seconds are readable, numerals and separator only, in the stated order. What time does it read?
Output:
6:04
